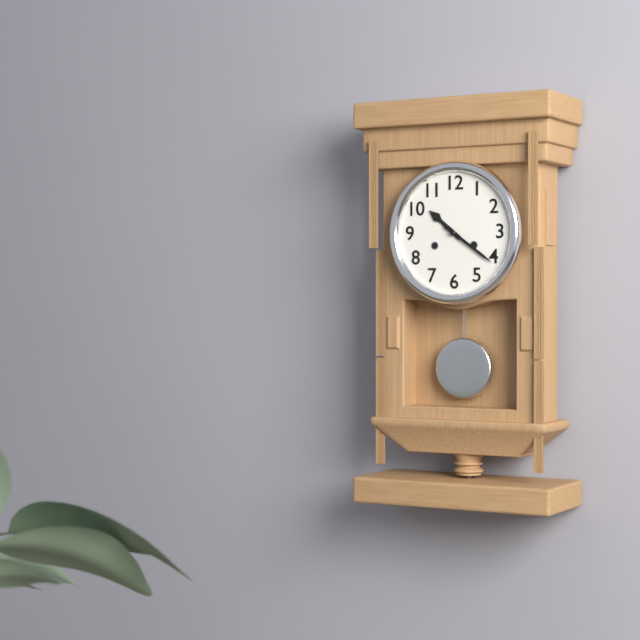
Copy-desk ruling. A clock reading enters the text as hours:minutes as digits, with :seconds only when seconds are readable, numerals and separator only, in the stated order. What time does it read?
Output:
10:21
